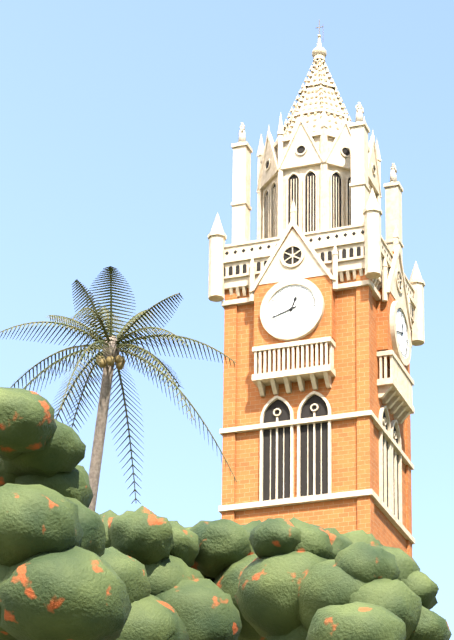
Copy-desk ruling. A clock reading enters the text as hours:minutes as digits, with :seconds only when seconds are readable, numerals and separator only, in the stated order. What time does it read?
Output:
12:42
